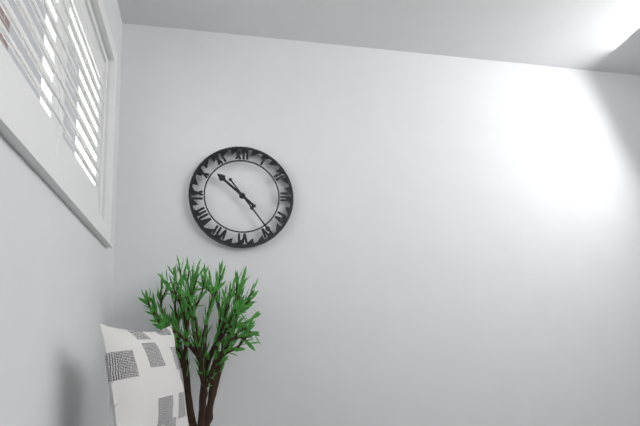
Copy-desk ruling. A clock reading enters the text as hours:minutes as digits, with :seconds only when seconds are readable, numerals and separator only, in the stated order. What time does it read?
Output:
10:24
